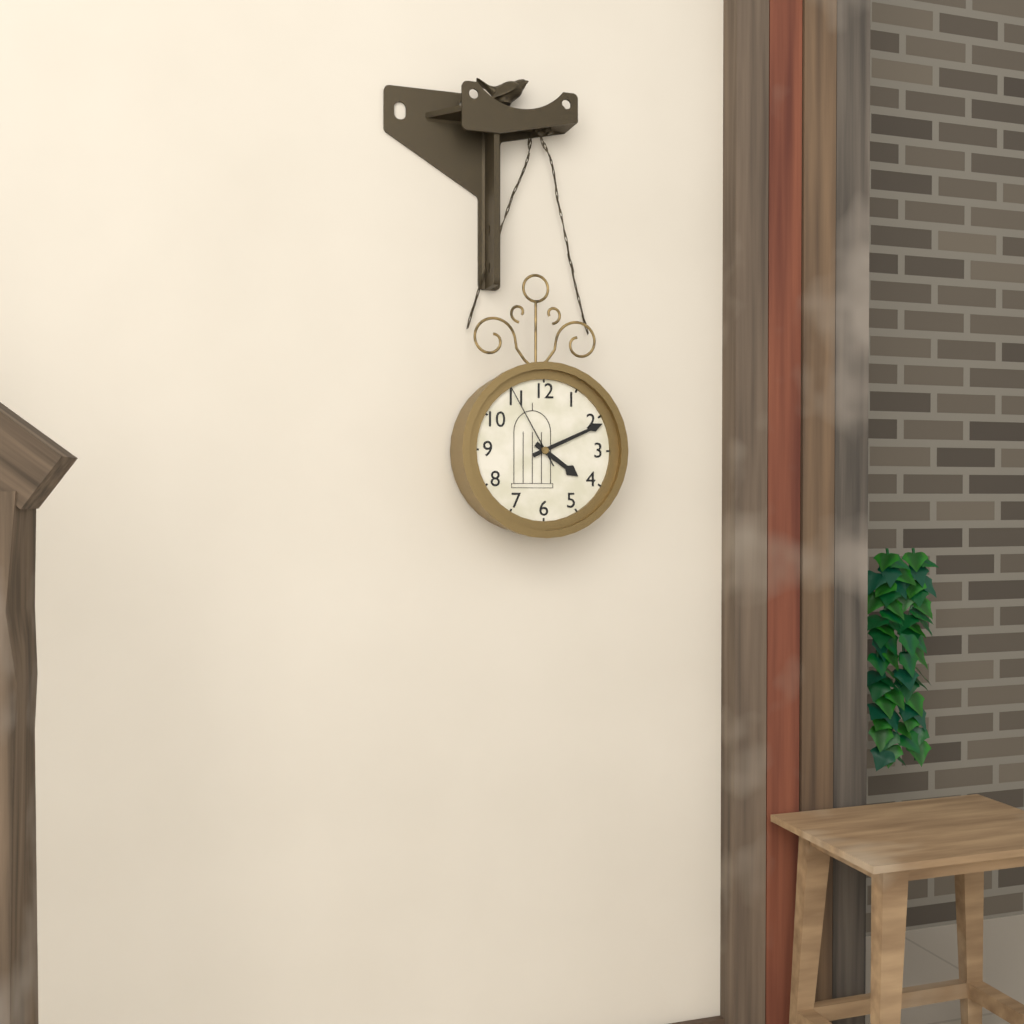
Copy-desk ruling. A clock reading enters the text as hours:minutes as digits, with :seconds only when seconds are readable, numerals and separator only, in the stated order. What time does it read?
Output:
4:11:55
